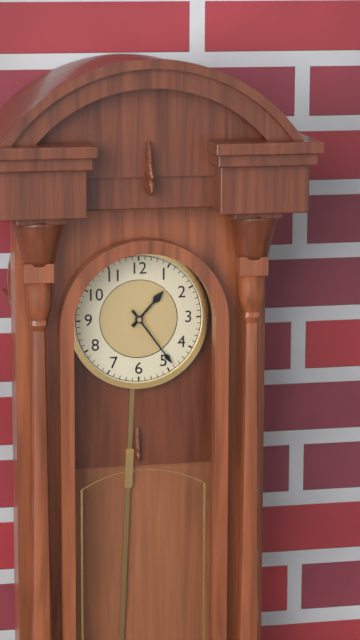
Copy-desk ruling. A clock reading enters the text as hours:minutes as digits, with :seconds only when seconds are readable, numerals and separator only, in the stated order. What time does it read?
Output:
1:24
